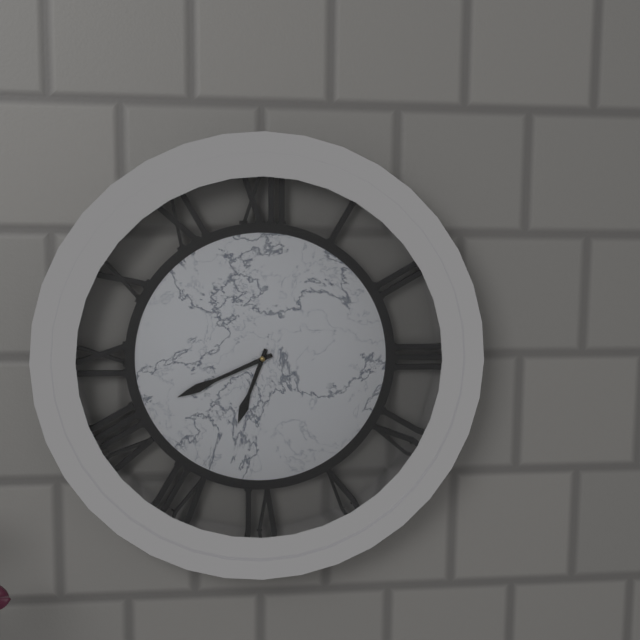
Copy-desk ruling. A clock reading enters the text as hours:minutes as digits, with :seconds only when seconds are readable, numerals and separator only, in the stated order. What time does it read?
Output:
6:41
